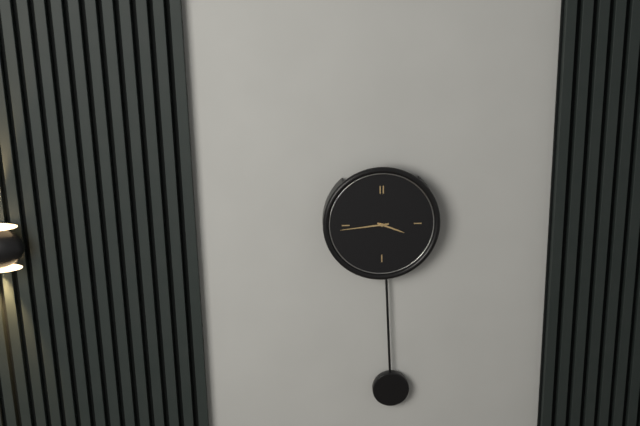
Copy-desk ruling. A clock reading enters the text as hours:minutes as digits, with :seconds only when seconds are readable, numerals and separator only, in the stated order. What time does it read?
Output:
3:44
